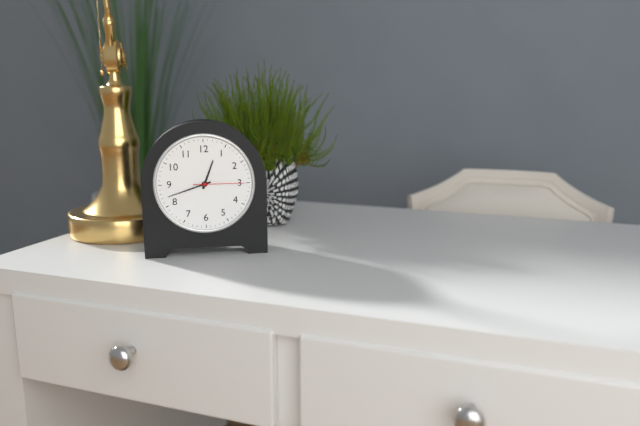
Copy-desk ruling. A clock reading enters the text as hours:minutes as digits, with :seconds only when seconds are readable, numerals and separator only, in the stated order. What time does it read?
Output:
12:42:15
